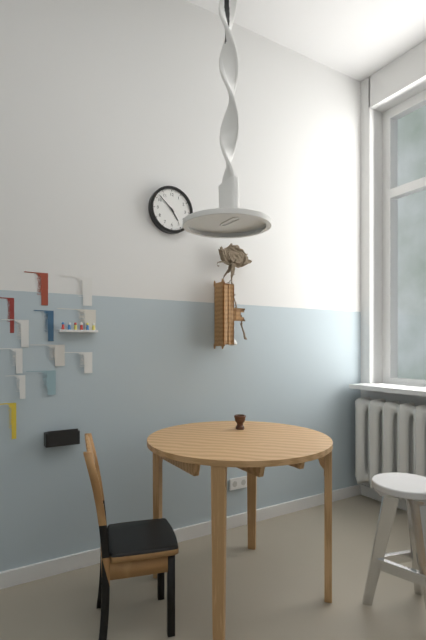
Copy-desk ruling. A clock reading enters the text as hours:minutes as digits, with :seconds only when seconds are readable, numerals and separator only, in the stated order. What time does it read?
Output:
4:52
